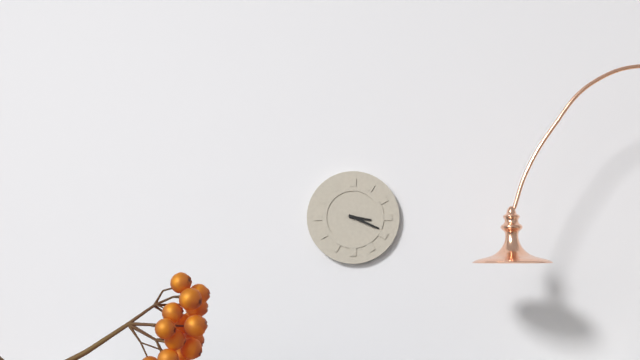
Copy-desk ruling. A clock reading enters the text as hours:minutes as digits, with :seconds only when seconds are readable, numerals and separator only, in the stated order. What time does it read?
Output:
3:19
